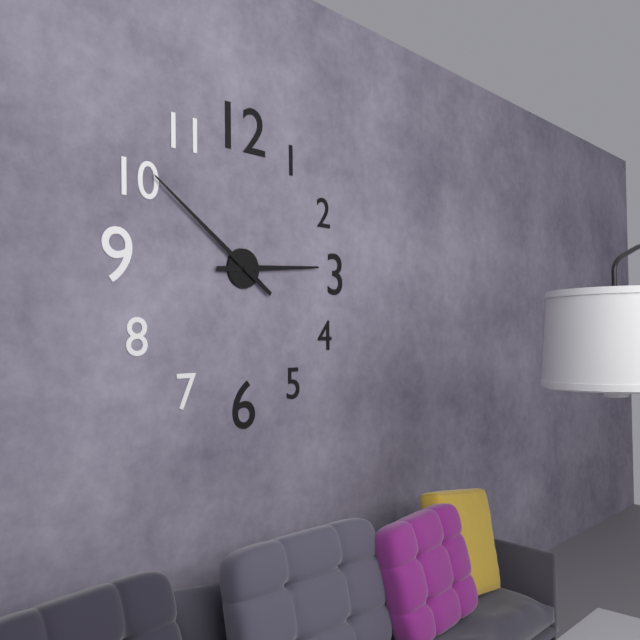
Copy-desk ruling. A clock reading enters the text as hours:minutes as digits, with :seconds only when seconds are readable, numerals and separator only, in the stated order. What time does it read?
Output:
2:51
